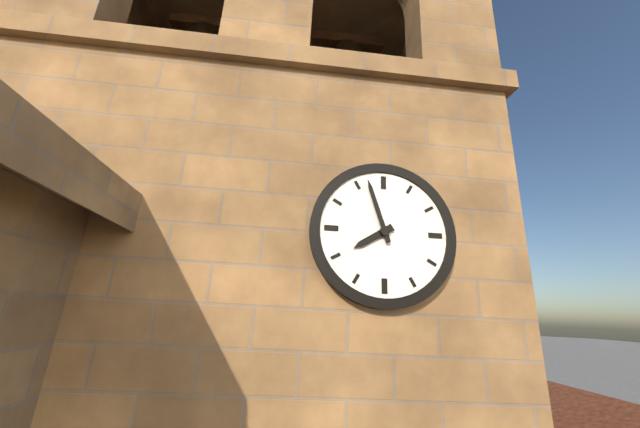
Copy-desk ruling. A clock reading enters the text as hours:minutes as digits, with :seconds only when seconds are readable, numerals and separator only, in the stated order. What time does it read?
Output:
7:57
